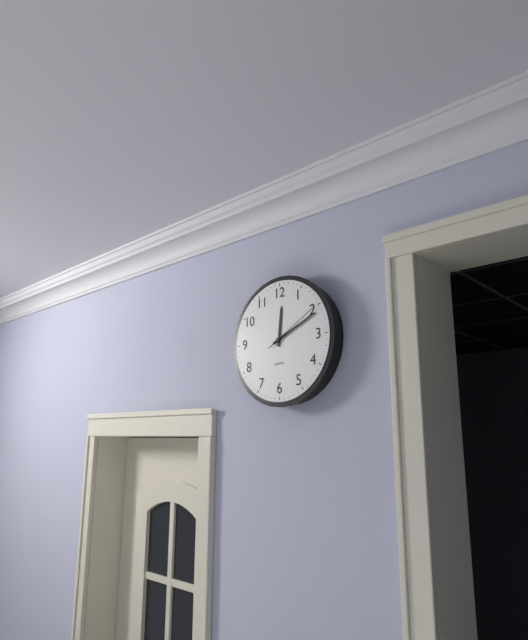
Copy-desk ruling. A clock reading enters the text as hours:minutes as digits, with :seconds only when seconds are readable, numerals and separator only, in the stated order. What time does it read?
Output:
12:11:10
